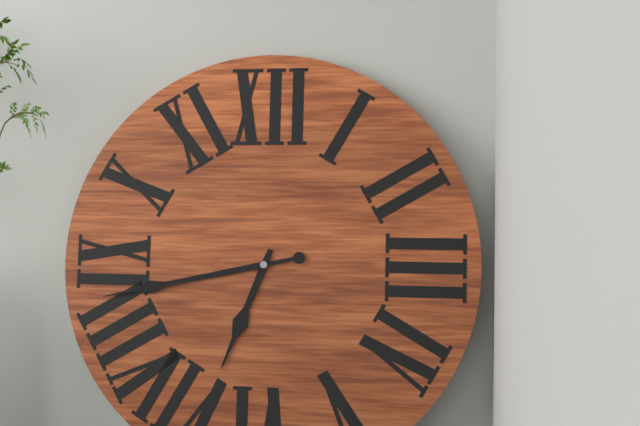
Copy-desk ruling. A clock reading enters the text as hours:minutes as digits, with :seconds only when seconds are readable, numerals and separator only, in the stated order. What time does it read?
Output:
6:43
